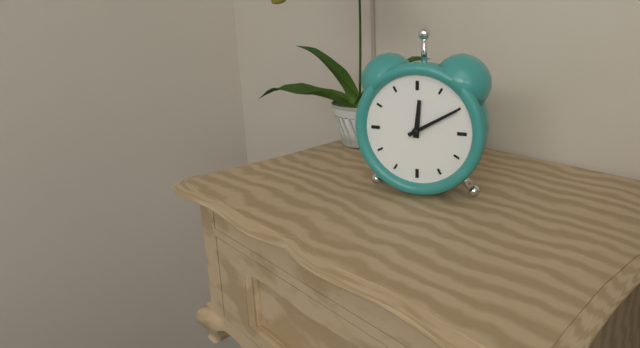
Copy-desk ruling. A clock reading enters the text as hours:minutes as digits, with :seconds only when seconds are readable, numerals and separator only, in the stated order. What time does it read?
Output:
12:10
